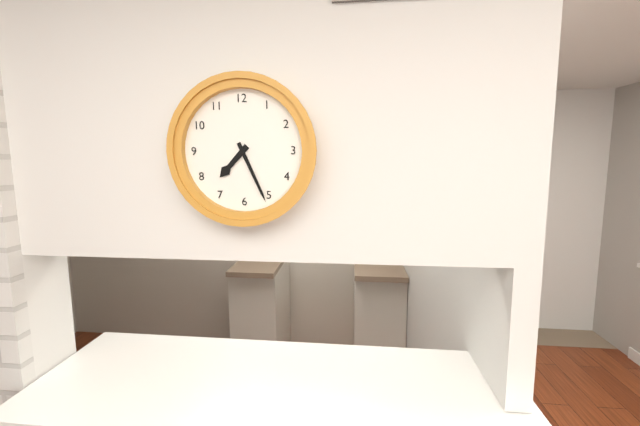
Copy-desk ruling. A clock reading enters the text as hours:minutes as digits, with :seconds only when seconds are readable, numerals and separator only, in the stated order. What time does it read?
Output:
7:26
